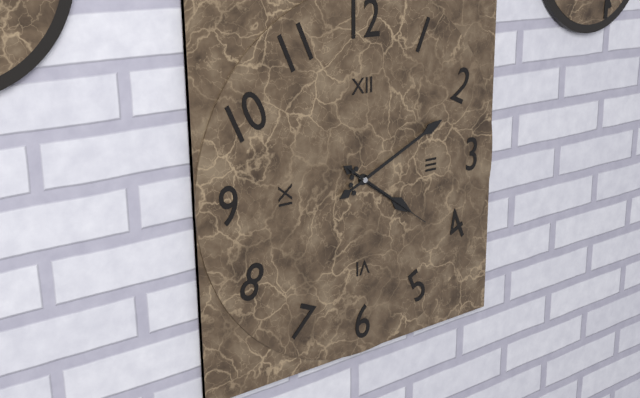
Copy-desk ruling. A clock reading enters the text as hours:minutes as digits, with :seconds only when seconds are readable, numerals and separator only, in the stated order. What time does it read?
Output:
4:11:21
